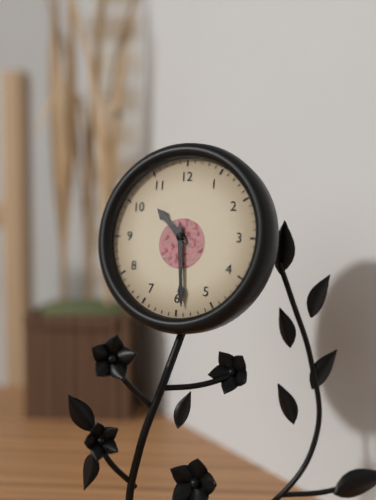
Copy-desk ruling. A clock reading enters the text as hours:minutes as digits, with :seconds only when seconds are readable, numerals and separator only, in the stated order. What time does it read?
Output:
10:29
